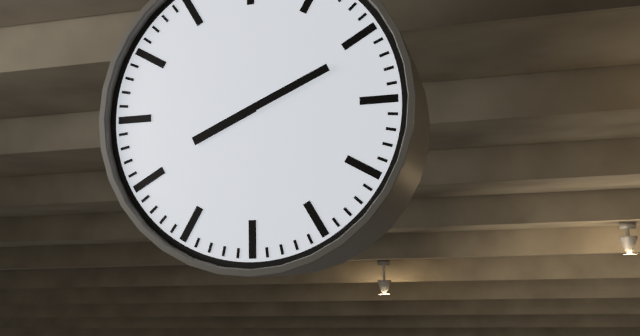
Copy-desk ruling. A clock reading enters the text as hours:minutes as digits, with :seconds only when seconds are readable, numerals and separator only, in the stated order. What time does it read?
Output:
8:11
